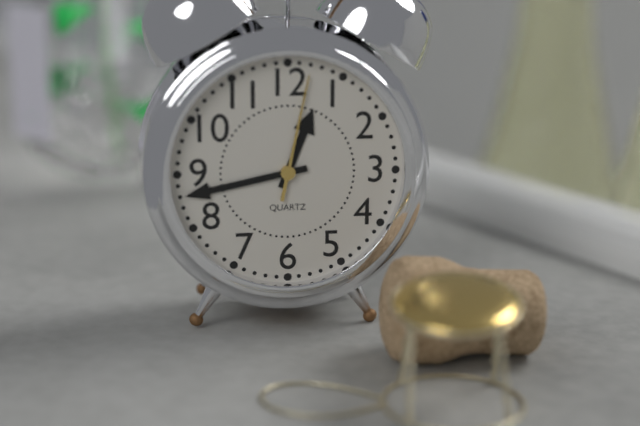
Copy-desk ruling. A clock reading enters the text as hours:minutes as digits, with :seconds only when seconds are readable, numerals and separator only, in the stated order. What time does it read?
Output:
12:43:02
